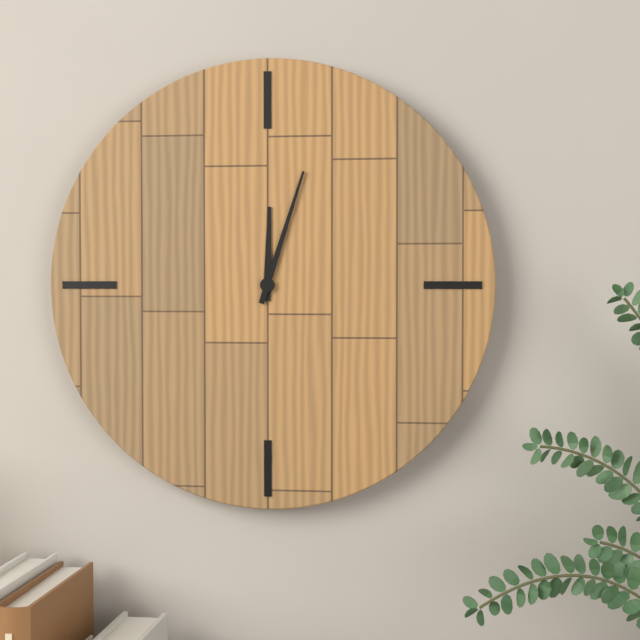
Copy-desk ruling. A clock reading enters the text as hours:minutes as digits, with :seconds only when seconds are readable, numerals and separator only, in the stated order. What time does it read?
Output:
12:03
